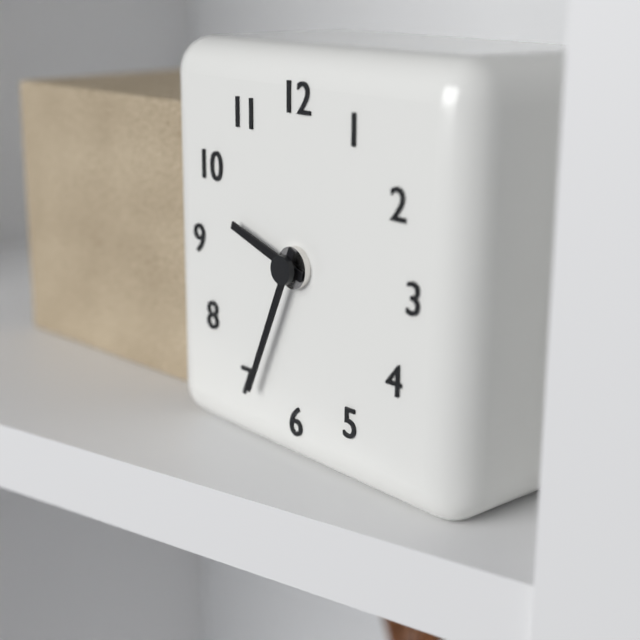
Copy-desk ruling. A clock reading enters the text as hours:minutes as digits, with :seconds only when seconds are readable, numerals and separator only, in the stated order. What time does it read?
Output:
9:34
